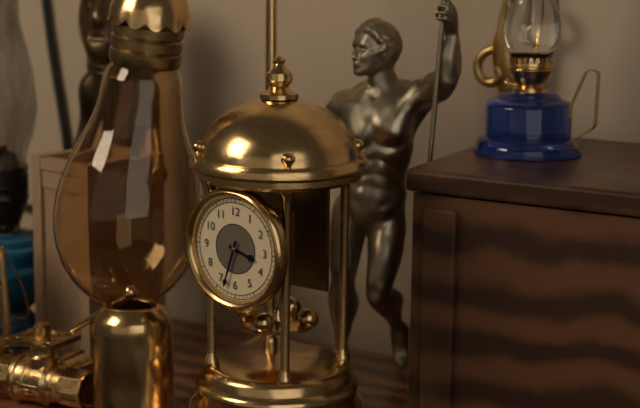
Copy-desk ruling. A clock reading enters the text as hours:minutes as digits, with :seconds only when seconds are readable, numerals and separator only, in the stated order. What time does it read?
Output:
3:33
